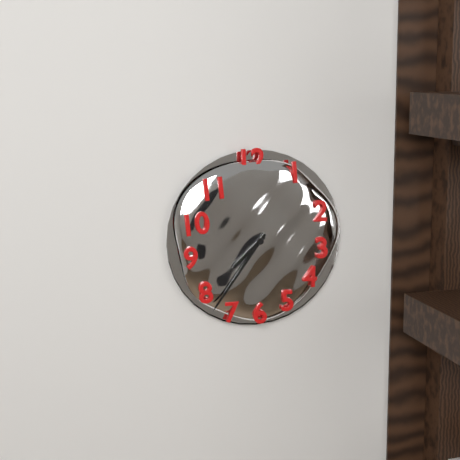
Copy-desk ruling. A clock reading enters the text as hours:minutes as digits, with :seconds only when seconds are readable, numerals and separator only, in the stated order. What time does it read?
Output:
7:36
